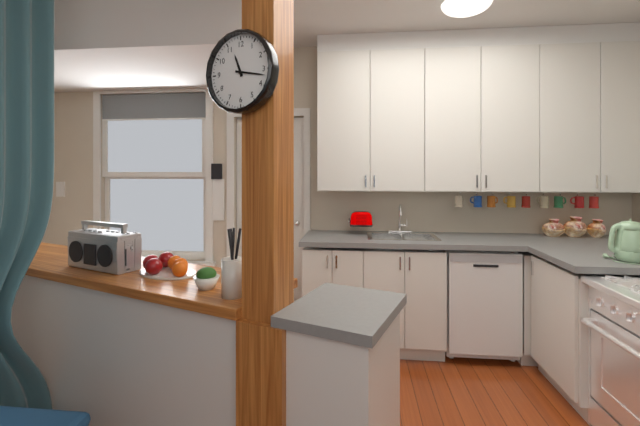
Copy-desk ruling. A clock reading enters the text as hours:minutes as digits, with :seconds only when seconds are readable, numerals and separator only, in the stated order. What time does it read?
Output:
11:17
